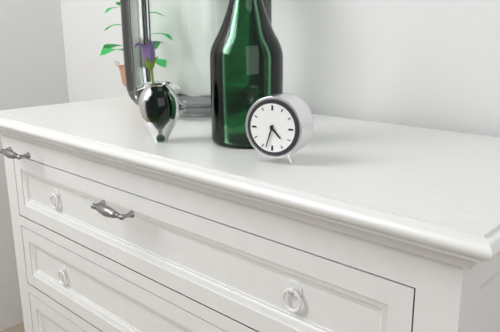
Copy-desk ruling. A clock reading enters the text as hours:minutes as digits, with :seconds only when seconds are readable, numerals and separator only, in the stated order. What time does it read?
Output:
4:33
